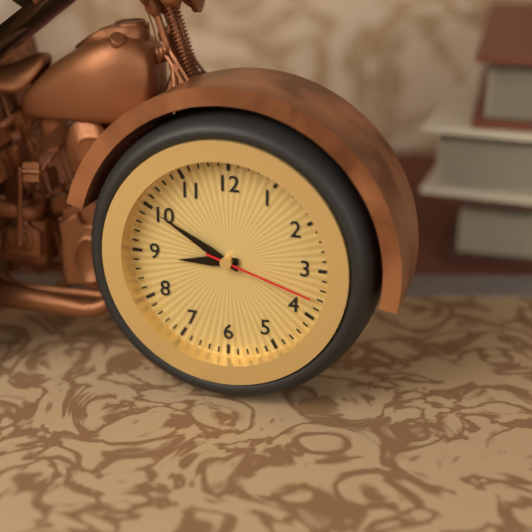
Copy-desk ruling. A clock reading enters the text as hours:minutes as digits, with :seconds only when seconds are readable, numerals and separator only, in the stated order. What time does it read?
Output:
8:50:18
